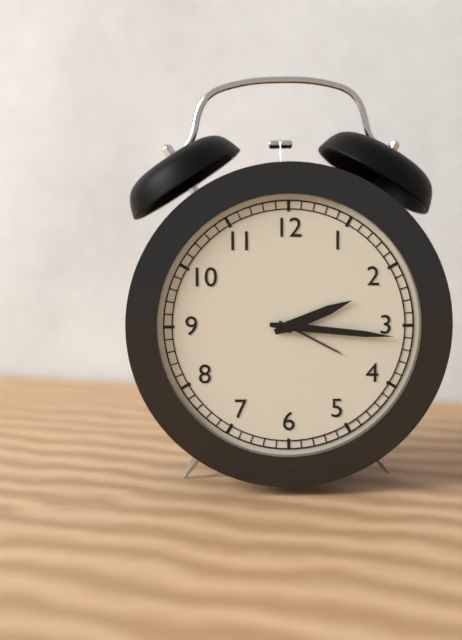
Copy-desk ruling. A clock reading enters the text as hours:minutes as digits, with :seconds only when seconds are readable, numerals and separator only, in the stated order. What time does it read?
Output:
2:16
